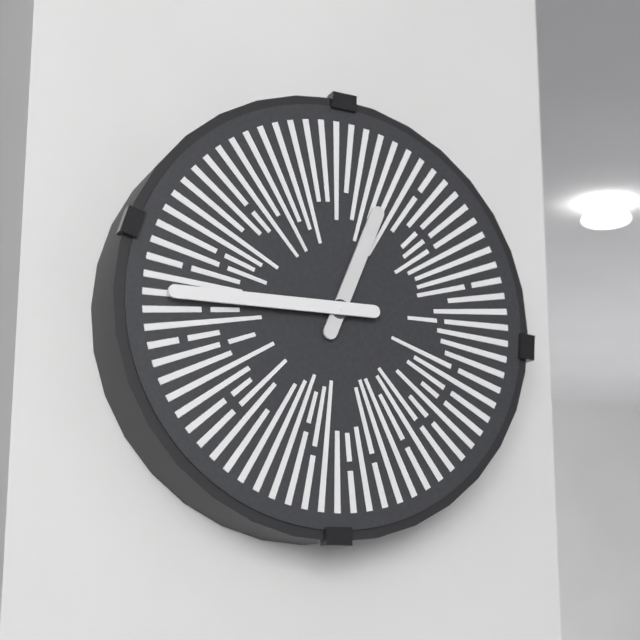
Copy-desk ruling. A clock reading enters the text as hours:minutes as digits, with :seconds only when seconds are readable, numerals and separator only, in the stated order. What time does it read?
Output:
12:45
